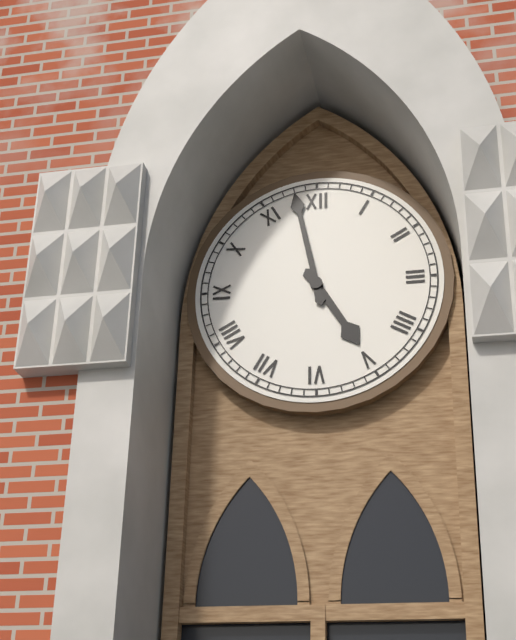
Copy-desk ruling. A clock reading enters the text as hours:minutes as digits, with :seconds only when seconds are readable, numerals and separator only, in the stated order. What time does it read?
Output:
4:58
